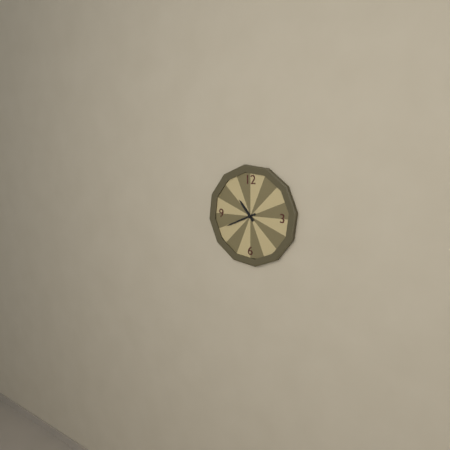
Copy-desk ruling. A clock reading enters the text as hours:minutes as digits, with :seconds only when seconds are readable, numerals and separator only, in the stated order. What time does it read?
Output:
10:41
